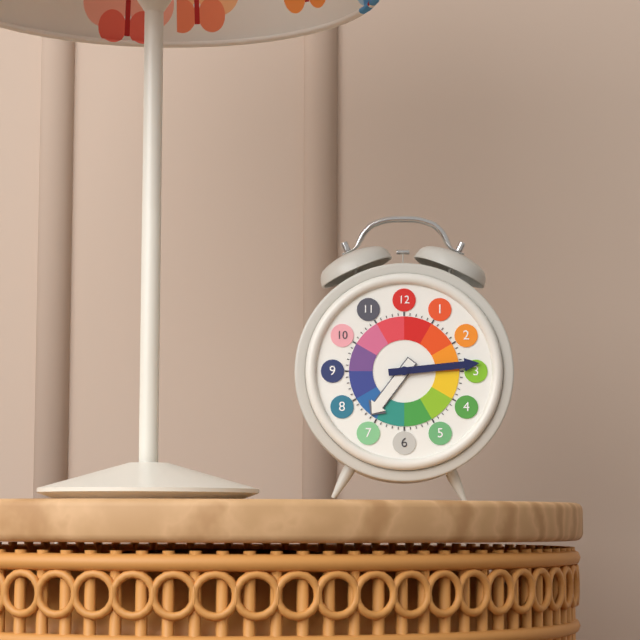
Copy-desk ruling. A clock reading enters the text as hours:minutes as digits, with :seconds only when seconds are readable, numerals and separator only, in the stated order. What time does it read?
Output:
7:14
